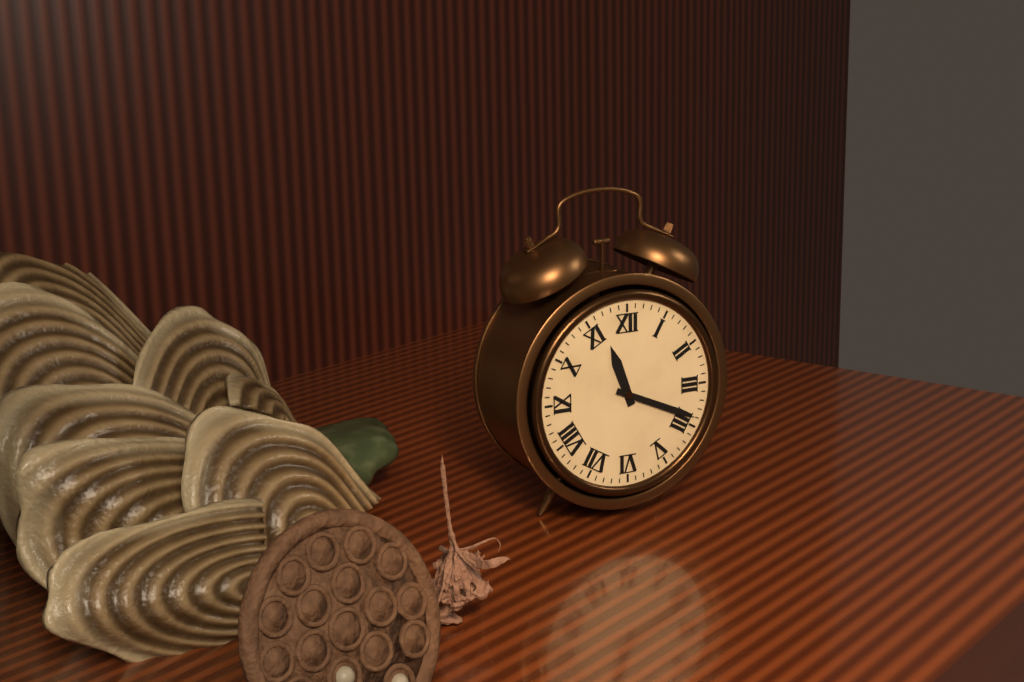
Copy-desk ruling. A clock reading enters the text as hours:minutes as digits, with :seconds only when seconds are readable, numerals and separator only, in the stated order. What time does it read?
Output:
11:19
